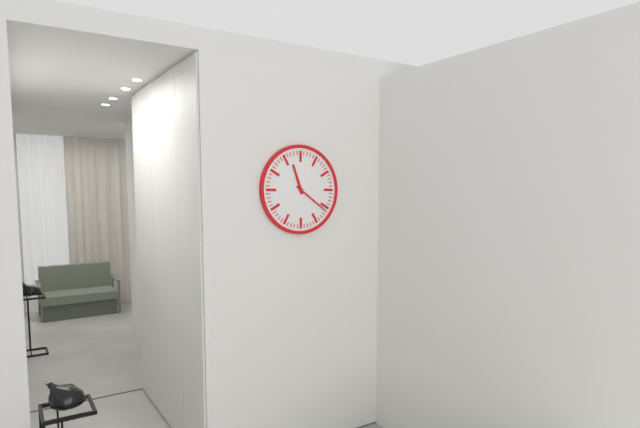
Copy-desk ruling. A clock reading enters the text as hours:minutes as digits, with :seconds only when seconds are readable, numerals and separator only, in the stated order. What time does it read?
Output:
11:21
